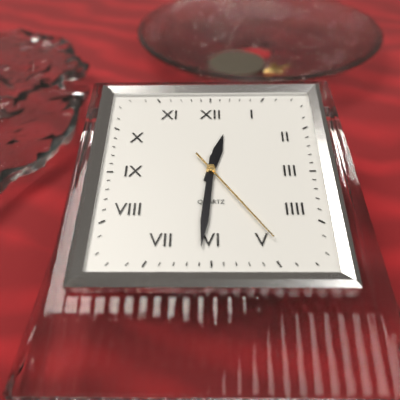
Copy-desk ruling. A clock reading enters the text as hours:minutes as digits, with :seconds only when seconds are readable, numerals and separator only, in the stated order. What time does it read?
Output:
12:31:24
